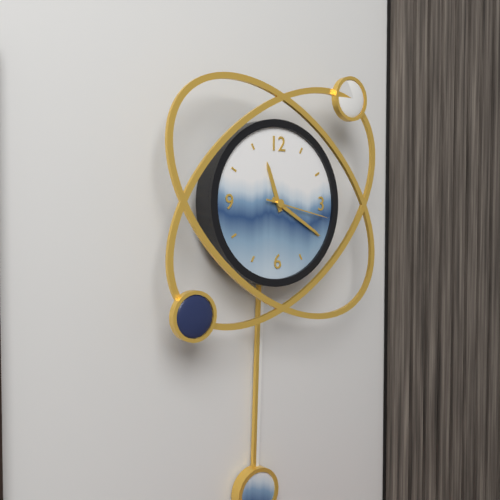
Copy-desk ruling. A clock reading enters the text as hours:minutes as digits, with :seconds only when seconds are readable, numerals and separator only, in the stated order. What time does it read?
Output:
11:20:17
